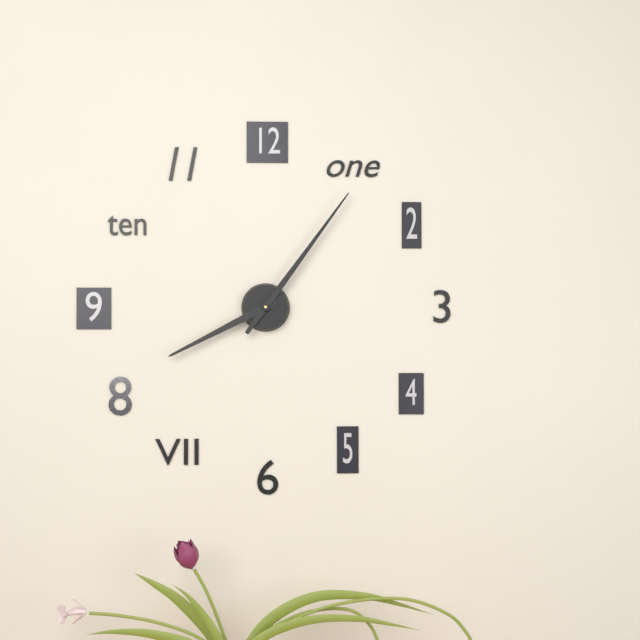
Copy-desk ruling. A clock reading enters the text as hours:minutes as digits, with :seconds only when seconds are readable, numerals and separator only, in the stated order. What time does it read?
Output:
8:06
